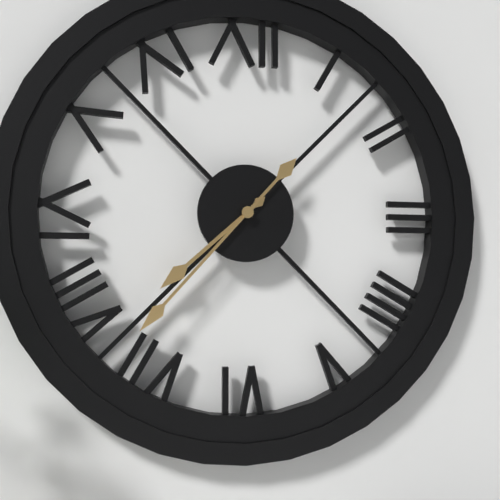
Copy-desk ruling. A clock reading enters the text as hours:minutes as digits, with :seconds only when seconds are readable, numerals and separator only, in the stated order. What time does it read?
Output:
7:37
